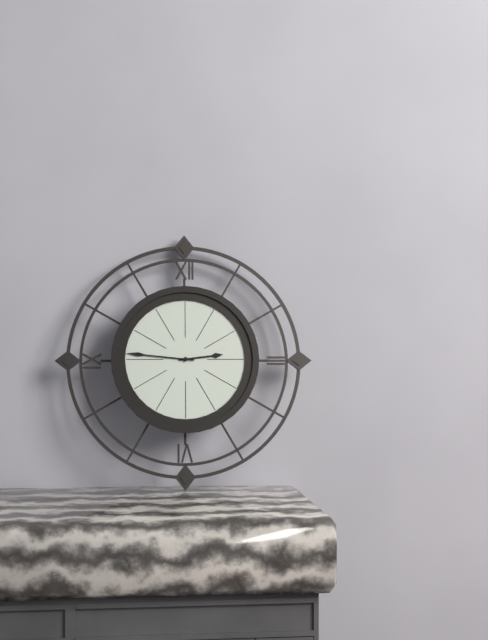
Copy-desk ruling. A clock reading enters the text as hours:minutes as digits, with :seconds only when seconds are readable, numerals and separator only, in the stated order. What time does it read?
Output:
2:46
